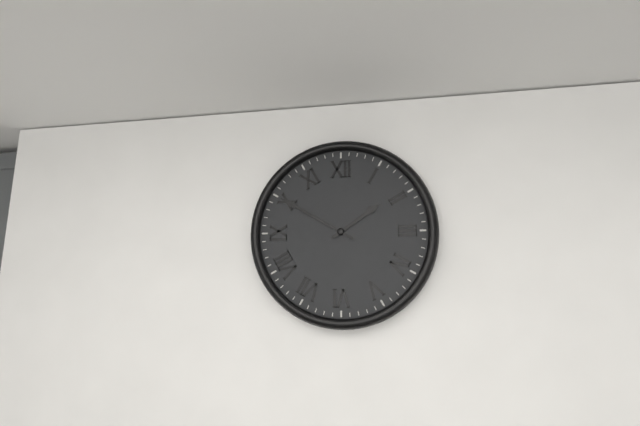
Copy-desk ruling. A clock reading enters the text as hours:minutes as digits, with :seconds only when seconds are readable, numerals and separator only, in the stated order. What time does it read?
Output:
1:50
